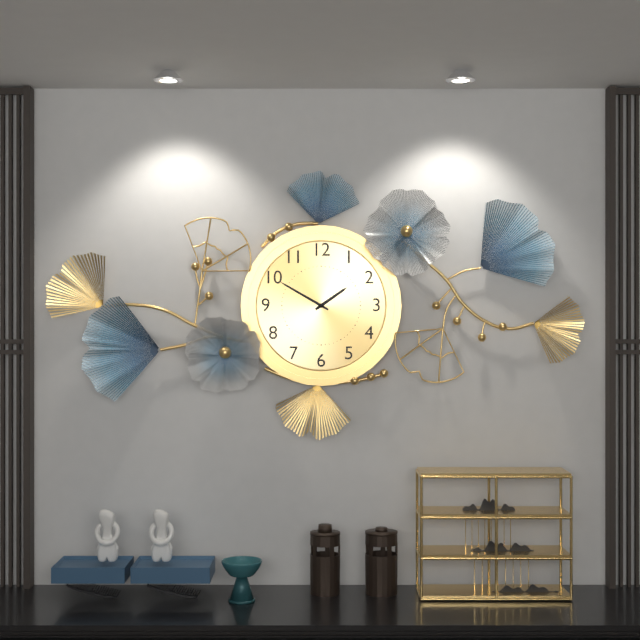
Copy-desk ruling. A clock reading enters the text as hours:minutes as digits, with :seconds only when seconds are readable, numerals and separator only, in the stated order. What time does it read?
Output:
1:50
